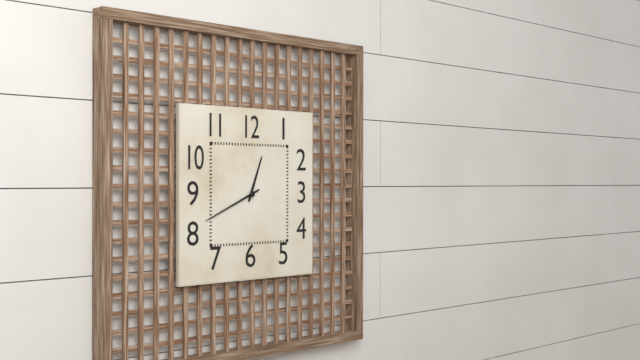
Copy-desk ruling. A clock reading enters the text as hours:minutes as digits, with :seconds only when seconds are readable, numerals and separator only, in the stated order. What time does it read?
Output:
12:41
